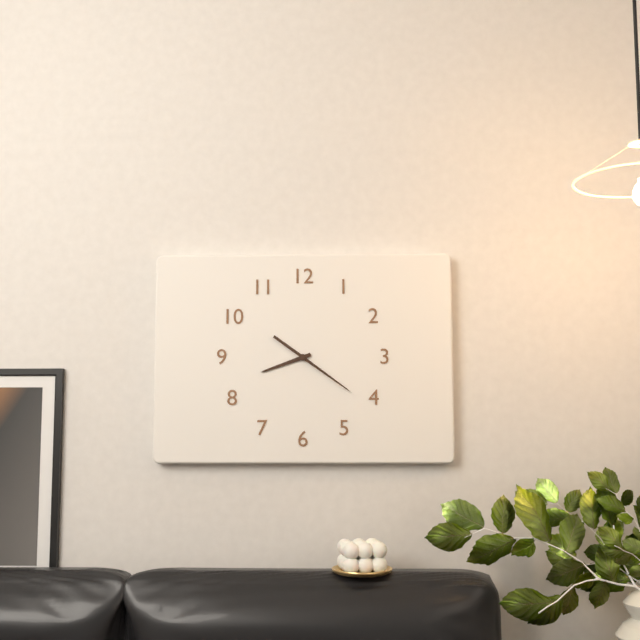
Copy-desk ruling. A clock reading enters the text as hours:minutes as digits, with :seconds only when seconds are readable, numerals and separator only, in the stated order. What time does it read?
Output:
8:21
